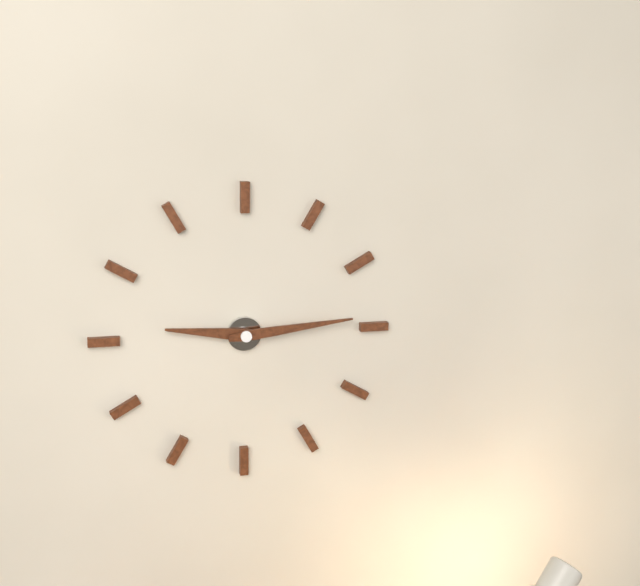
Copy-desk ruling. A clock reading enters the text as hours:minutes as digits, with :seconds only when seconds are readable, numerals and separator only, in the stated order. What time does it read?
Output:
9:14
